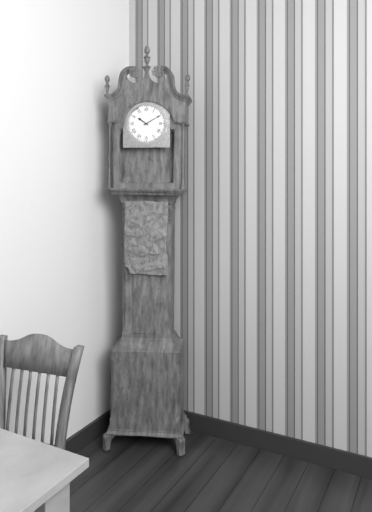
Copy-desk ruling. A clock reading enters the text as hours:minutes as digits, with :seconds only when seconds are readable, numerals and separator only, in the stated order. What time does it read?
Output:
10:10
